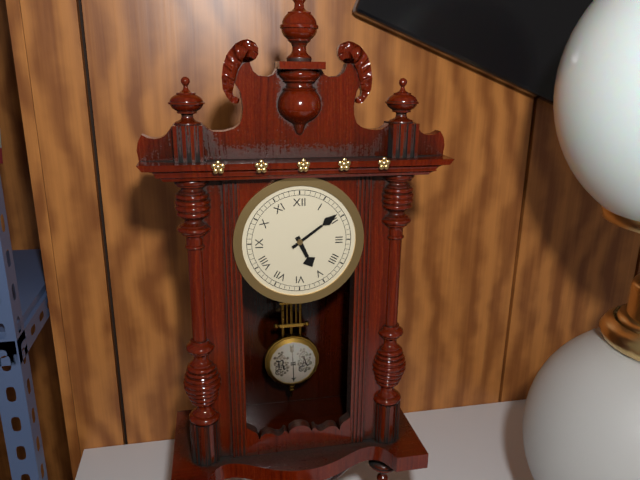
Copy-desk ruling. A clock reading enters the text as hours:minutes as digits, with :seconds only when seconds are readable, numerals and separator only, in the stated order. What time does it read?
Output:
5:09
